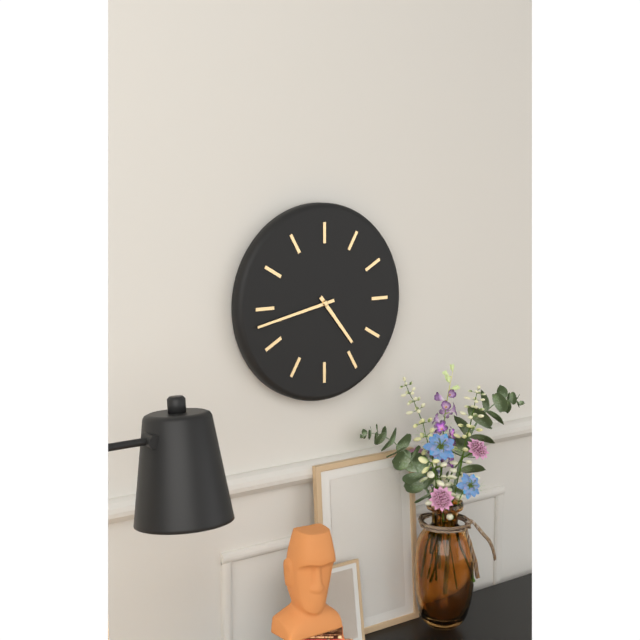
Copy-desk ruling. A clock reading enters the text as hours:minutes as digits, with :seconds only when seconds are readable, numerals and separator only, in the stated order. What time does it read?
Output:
4:43
